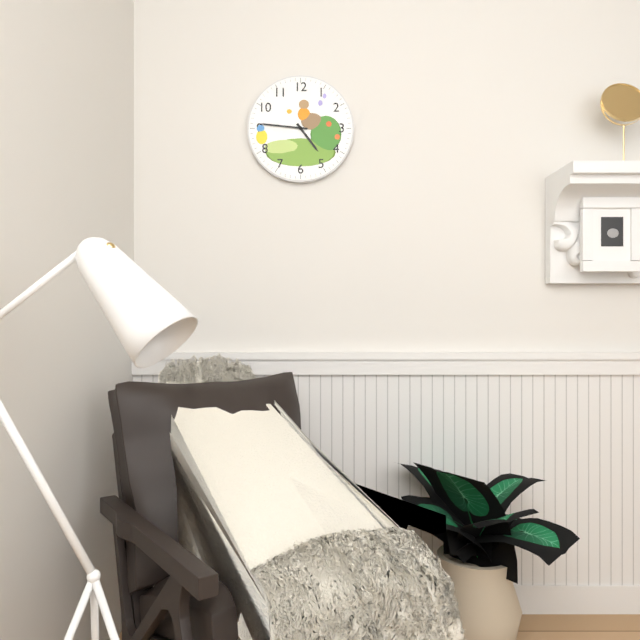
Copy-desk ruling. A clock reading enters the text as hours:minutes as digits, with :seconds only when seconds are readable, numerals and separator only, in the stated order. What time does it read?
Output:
4:46
